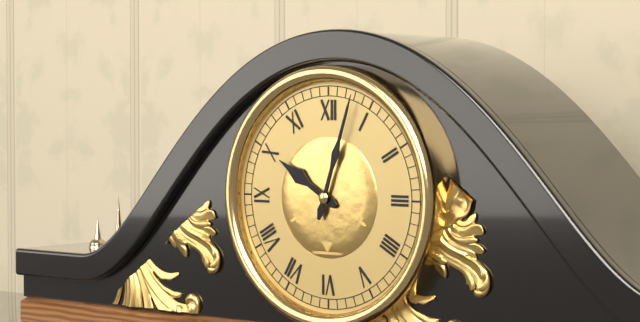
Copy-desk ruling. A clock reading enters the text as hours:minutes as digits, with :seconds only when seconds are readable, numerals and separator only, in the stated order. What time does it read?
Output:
10:03
